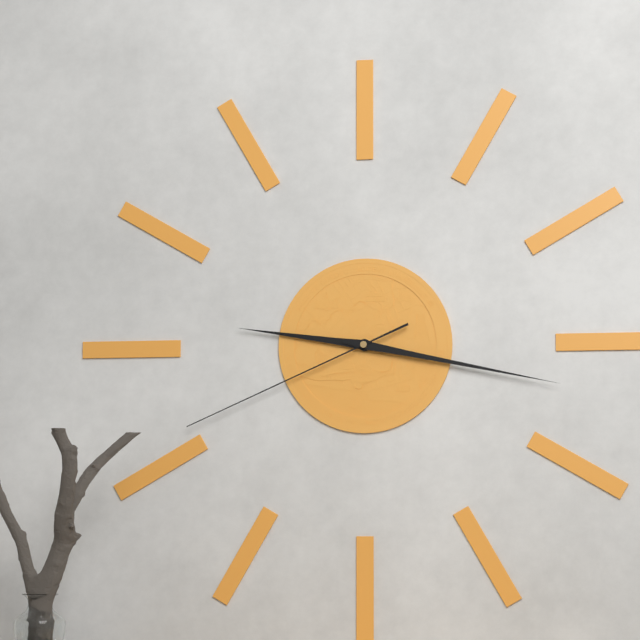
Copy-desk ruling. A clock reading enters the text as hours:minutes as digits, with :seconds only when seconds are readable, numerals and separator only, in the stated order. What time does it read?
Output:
9:17:41
